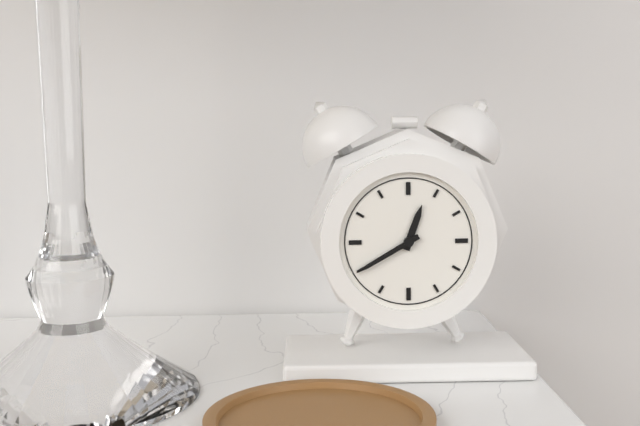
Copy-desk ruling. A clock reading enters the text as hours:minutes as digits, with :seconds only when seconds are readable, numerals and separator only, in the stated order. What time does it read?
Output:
12:40
